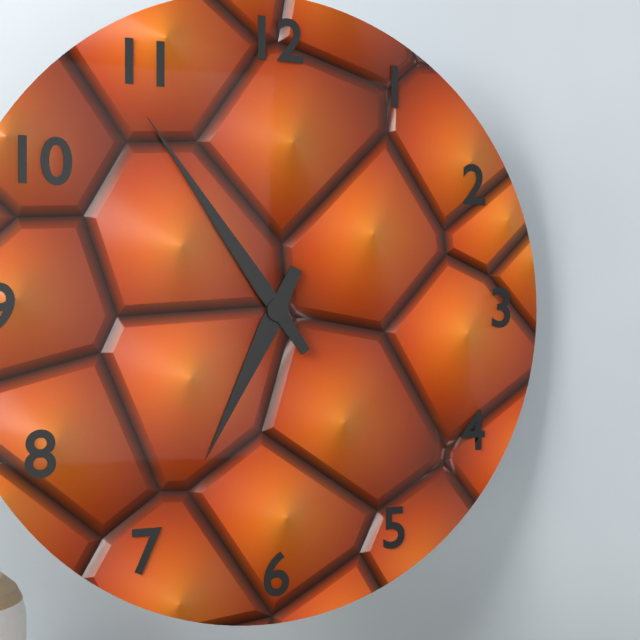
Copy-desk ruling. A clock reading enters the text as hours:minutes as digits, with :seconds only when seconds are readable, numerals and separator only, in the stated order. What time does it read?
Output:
6:54
